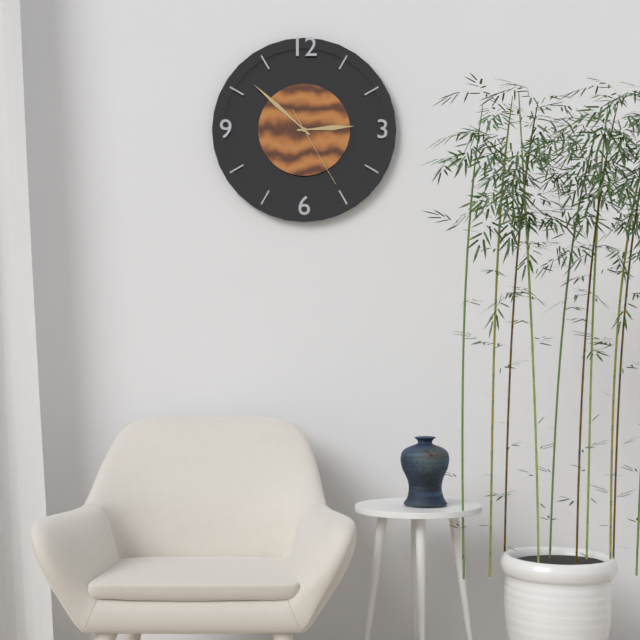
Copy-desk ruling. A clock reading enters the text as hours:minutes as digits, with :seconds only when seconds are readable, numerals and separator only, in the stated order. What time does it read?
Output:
2:52:25
